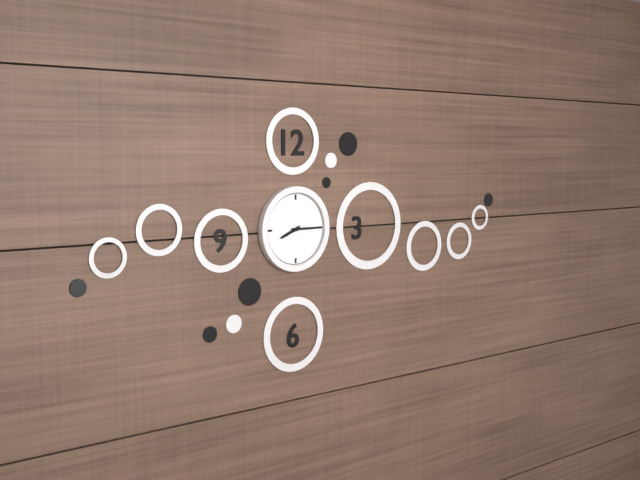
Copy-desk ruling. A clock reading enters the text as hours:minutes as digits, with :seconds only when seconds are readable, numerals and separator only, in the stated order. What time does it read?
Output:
8:15
